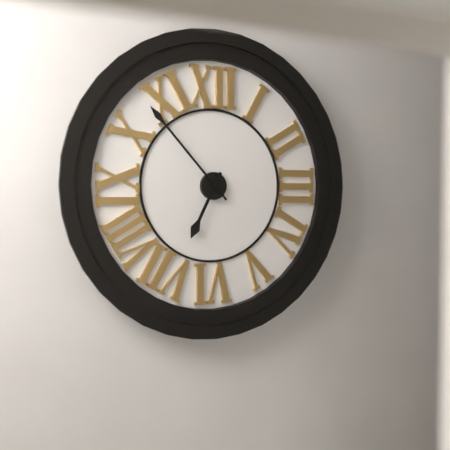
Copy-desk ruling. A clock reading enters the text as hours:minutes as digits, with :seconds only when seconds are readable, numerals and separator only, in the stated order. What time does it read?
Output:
6:53
